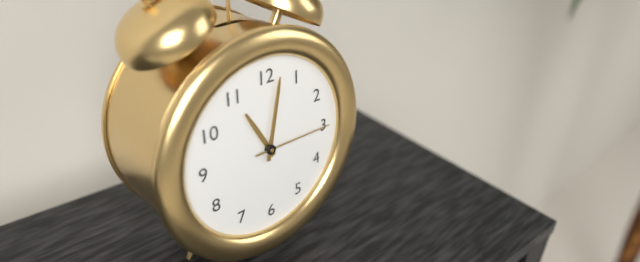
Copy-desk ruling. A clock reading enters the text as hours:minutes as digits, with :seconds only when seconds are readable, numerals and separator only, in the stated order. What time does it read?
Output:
11:02:15
